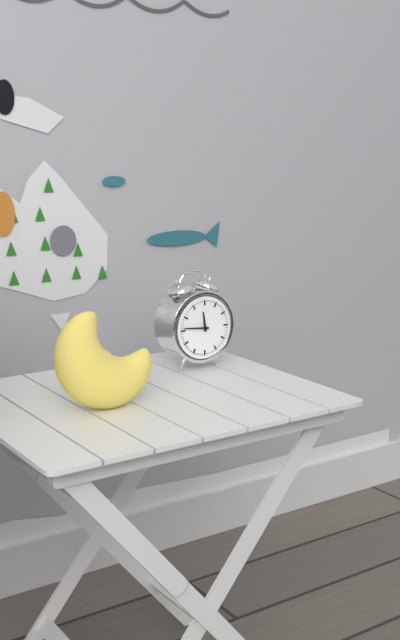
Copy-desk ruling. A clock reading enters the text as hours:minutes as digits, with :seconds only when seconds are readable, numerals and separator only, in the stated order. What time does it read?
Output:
11:46
